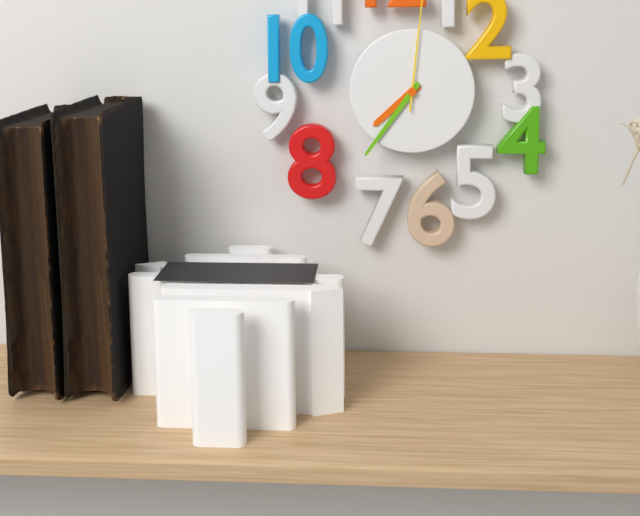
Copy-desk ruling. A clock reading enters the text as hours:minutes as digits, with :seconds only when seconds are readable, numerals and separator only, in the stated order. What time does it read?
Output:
7:36
